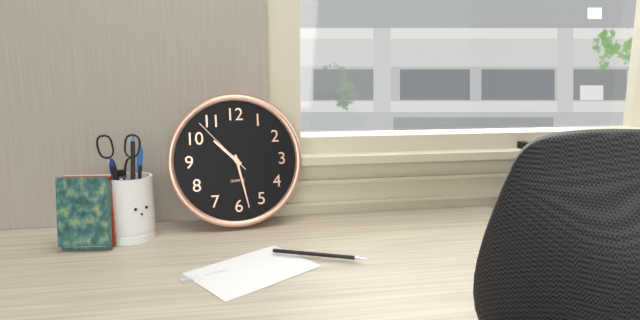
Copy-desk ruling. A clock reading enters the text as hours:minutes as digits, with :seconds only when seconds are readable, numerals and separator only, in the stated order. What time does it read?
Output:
10:28:53
